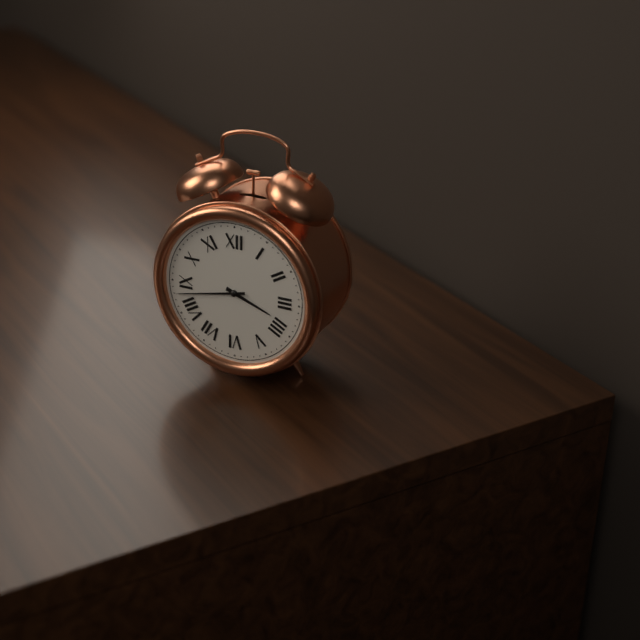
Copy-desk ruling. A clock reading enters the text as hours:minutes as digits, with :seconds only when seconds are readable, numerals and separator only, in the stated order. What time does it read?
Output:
3:43
